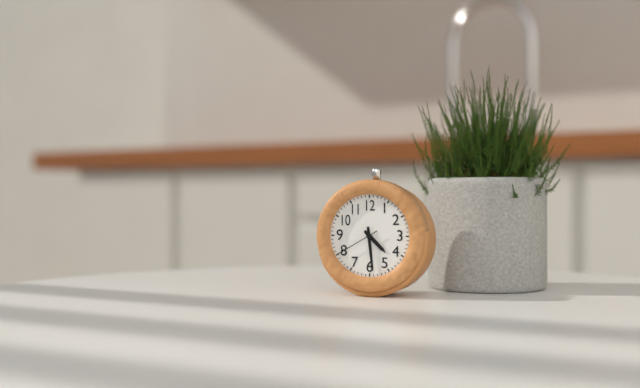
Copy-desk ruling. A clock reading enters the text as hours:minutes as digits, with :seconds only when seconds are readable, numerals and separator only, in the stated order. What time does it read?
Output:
4:29
